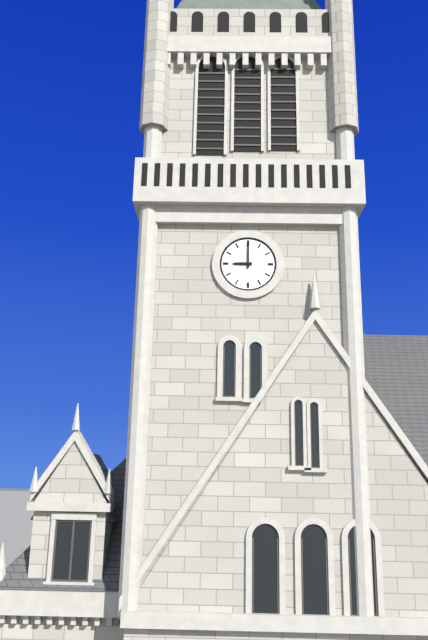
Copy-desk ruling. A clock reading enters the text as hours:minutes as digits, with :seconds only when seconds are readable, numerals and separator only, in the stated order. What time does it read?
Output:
9:00
